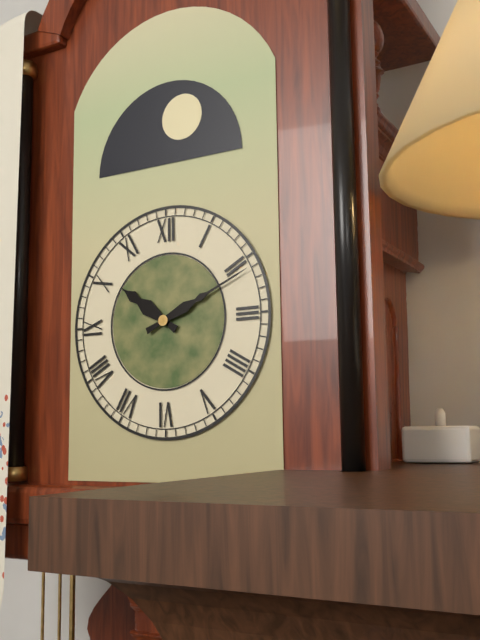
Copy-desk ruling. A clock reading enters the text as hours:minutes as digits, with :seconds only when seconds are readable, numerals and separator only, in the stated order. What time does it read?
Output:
10:11
